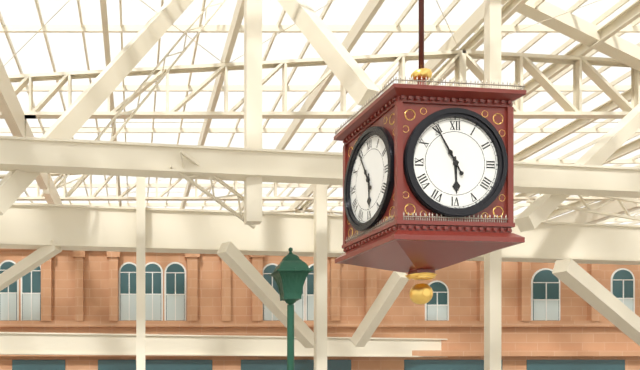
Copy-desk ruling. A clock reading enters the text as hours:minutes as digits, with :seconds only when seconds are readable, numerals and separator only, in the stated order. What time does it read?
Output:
5:55
